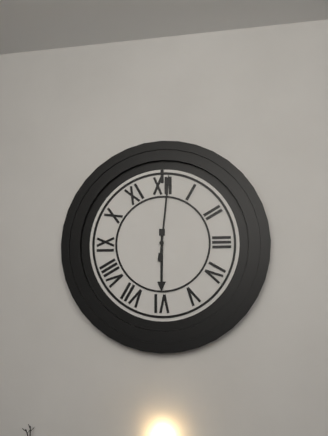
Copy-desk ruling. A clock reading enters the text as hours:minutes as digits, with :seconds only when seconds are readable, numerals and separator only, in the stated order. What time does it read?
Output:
6:01
